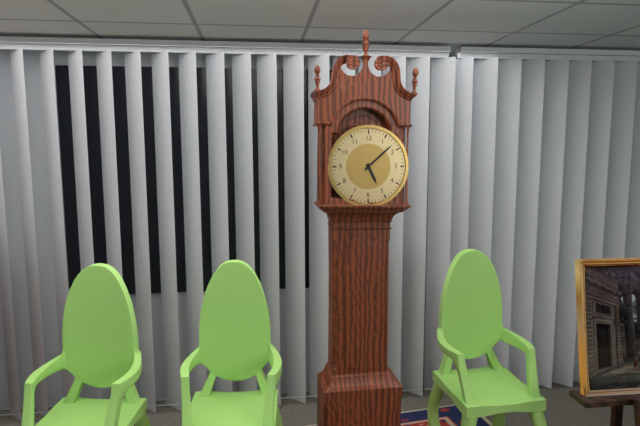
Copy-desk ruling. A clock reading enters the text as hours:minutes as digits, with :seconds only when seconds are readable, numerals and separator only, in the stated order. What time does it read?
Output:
5:08
